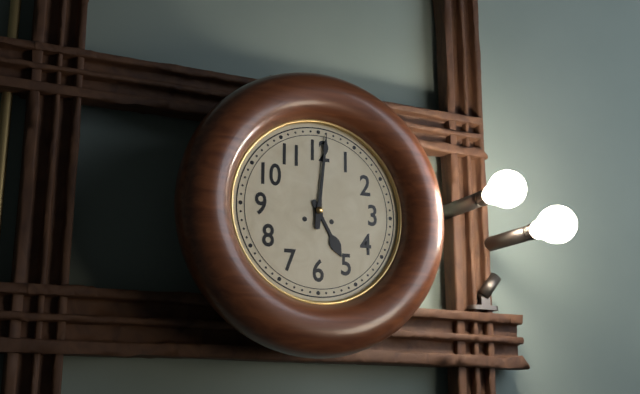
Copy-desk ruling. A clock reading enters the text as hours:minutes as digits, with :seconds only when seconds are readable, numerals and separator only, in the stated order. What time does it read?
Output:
5:01
